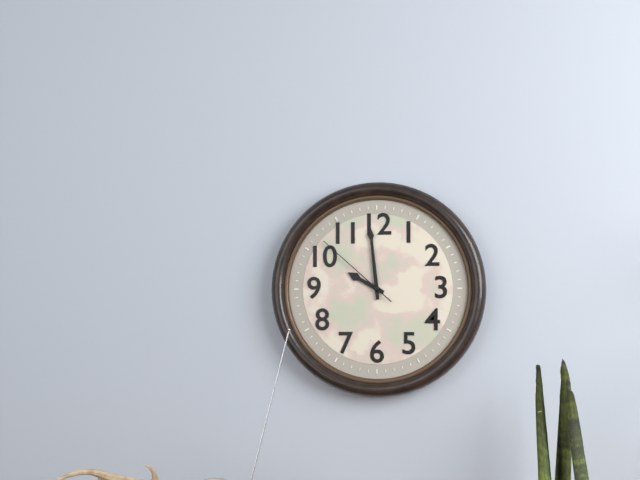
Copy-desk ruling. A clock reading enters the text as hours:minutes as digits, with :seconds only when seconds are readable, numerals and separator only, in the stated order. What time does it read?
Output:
9:59:52
